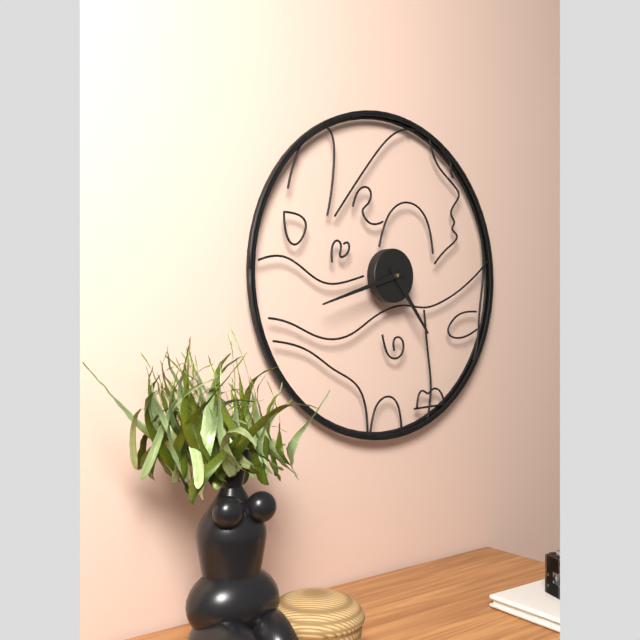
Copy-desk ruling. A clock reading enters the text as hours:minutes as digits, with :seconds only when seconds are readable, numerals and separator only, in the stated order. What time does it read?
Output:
4:42
